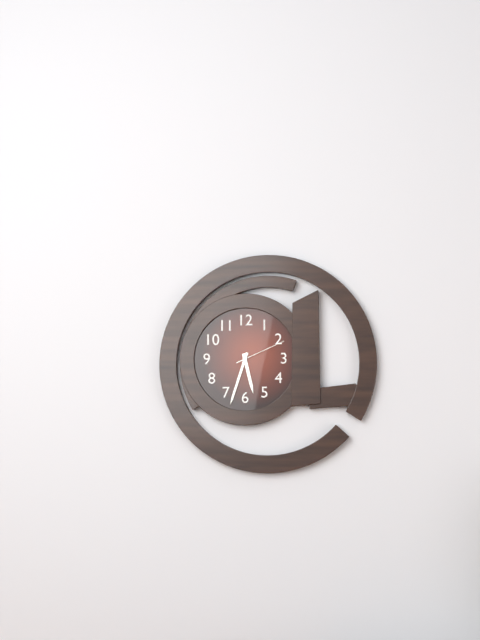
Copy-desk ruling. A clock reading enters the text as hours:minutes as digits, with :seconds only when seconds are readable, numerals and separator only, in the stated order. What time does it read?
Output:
5:33:11
